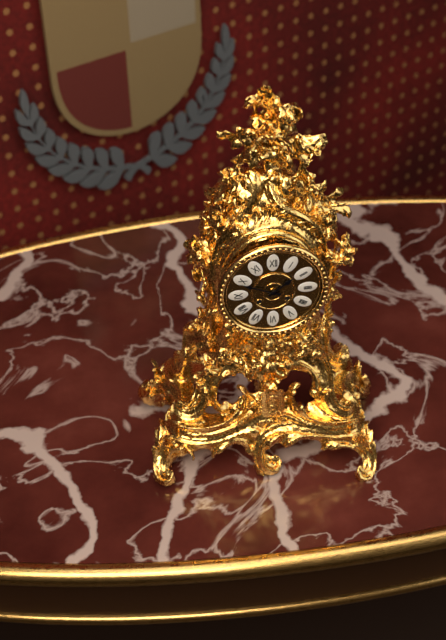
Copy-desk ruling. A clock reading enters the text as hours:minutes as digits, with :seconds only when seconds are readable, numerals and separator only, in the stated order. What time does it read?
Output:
1:49
